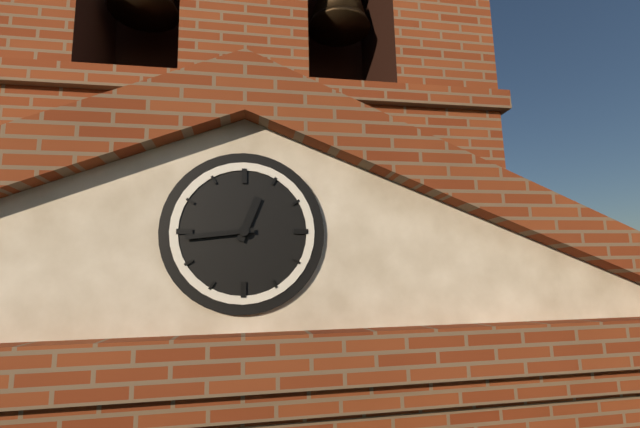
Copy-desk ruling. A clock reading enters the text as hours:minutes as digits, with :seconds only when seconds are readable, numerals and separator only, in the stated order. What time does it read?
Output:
12:44
